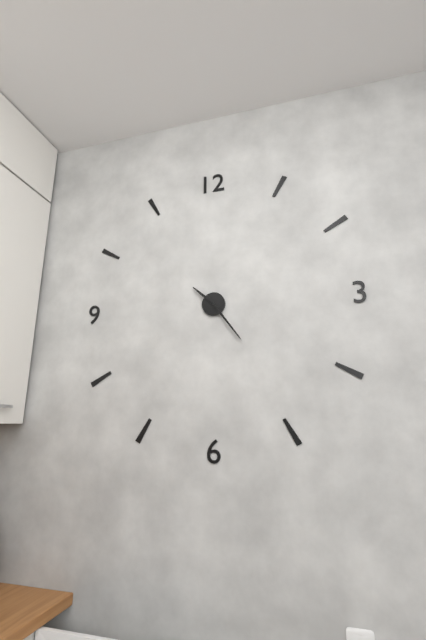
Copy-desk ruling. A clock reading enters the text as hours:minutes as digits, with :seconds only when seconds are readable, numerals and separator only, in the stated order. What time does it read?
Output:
10:24
